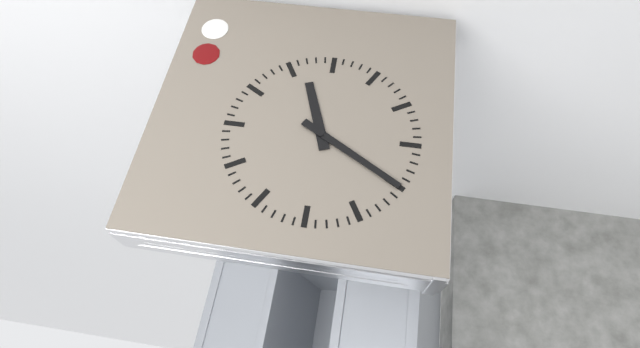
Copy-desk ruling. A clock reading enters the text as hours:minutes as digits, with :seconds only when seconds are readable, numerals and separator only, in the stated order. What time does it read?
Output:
11:20
